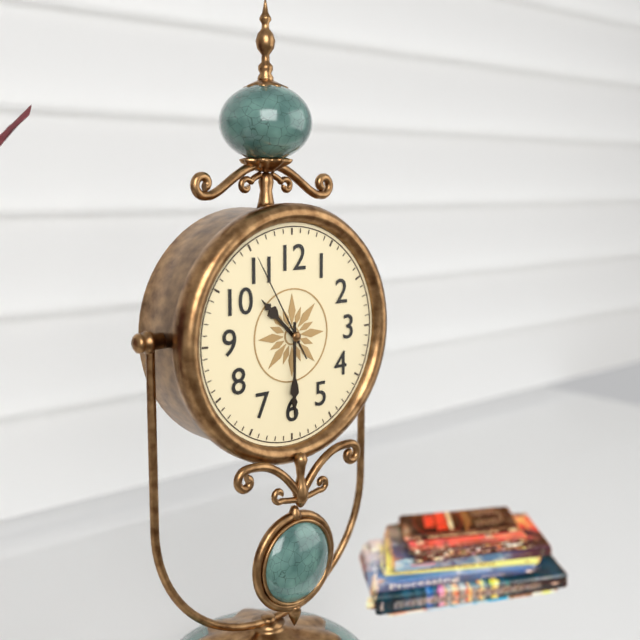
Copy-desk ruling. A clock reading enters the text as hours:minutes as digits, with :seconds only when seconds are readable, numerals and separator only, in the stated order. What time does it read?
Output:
10:30:55
